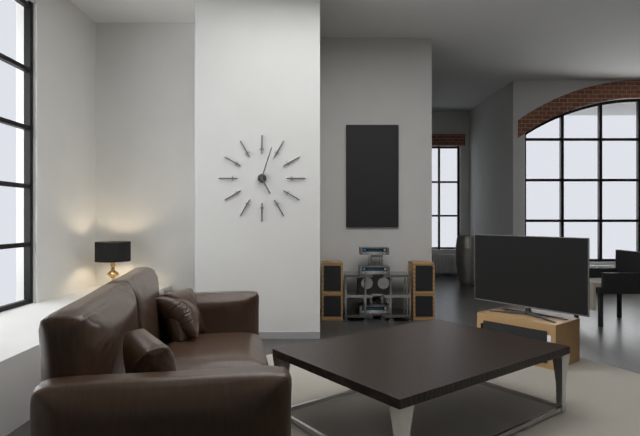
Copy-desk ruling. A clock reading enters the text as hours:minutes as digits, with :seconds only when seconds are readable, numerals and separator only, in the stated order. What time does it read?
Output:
5:03
